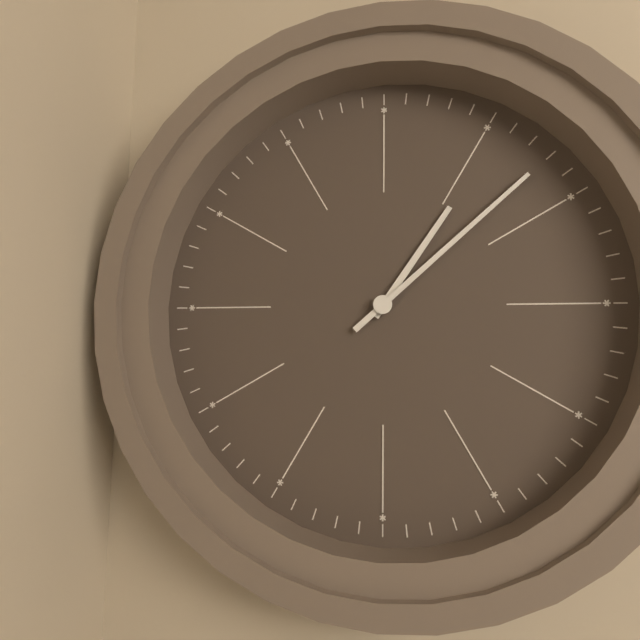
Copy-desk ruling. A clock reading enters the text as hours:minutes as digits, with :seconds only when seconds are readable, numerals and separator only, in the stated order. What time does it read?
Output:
1:08
